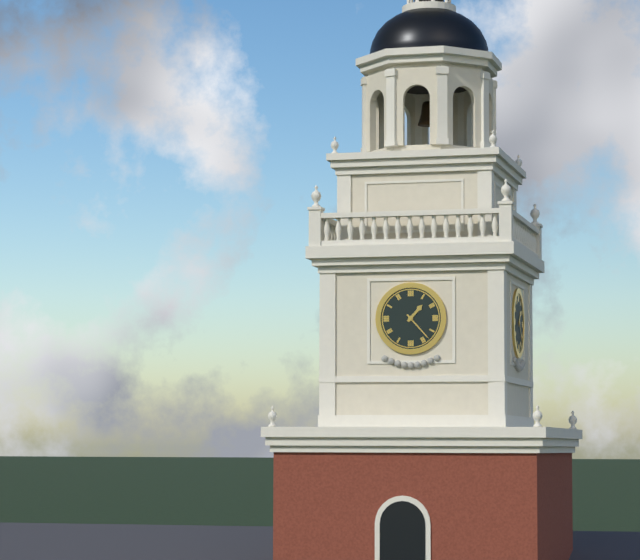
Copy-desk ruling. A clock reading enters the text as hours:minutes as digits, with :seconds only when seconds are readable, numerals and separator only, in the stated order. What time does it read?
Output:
1:23
